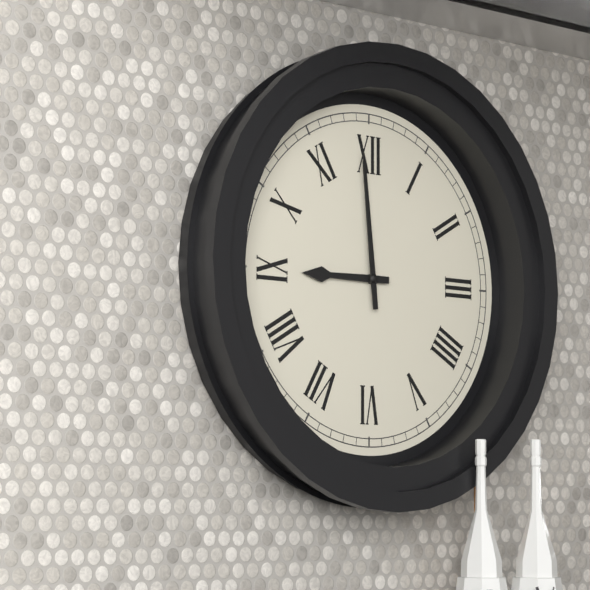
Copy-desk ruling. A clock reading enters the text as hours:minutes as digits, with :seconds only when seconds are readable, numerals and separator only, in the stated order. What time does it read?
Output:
8:59
